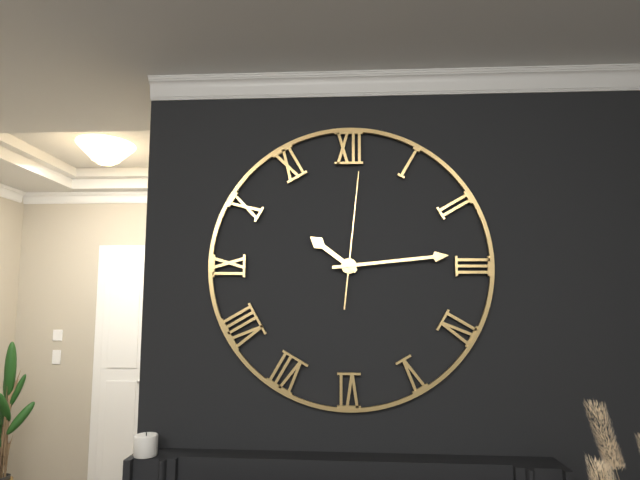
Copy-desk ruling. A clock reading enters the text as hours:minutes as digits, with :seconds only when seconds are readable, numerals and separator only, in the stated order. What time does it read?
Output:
10:14:01
